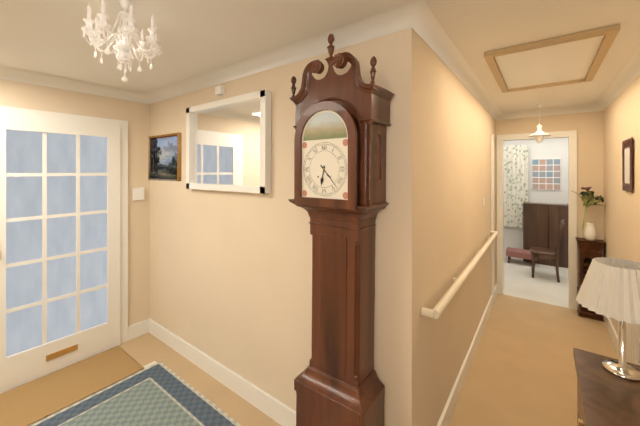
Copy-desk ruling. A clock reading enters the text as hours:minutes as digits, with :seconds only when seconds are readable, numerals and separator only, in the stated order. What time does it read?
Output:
6:23
